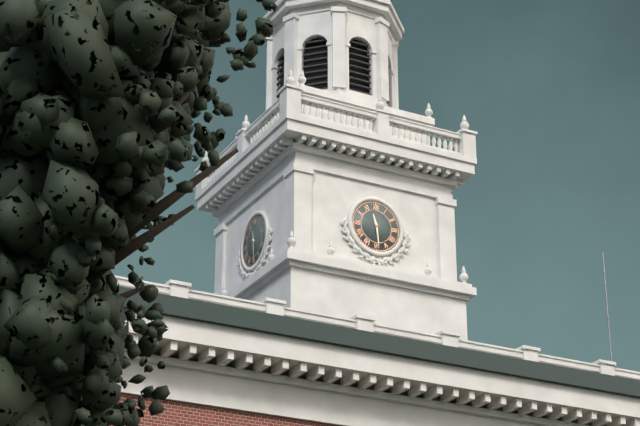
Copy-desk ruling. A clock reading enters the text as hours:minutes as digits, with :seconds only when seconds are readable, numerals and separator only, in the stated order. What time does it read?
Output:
11:29
